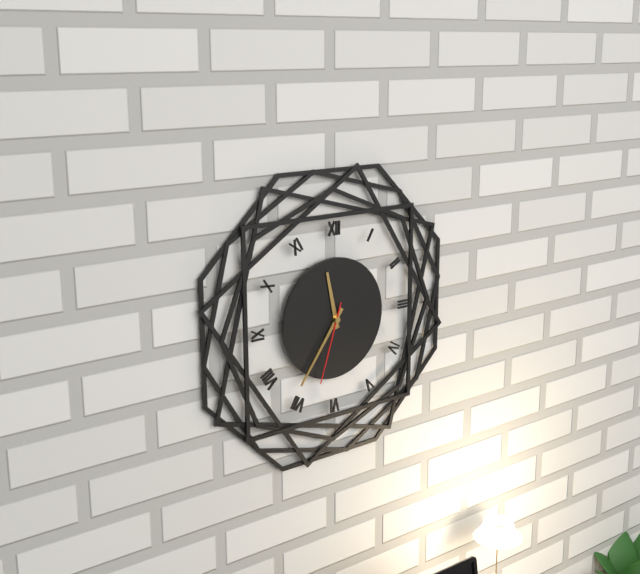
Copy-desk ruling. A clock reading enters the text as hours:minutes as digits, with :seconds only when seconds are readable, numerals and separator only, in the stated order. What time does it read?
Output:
11:36:33
